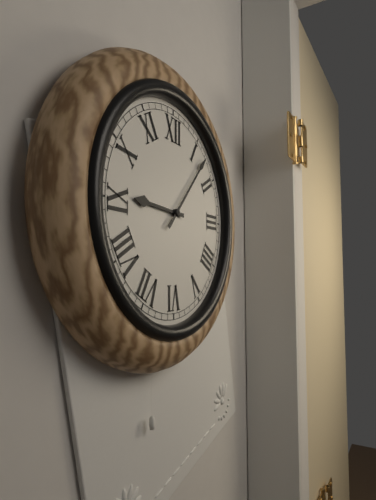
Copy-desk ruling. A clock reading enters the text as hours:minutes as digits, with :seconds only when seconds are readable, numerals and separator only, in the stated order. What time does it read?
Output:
9:07
